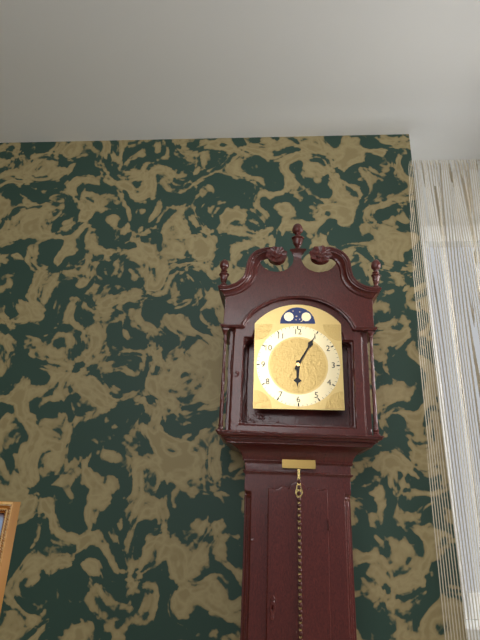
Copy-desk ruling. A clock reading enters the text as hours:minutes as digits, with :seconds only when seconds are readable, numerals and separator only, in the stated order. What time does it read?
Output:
6:05
